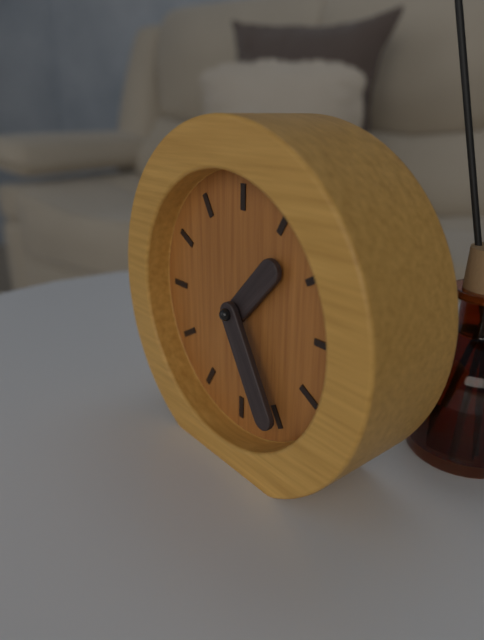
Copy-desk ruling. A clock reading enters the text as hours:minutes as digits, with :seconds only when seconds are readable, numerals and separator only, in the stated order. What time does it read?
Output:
1:25
